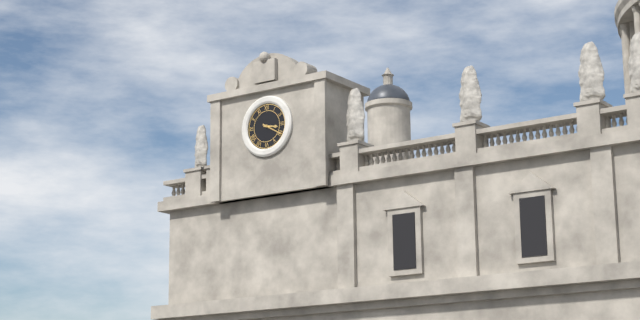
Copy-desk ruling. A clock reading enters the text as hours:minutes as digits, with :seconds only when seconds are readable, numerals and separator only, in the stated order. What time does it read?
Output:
3:20
